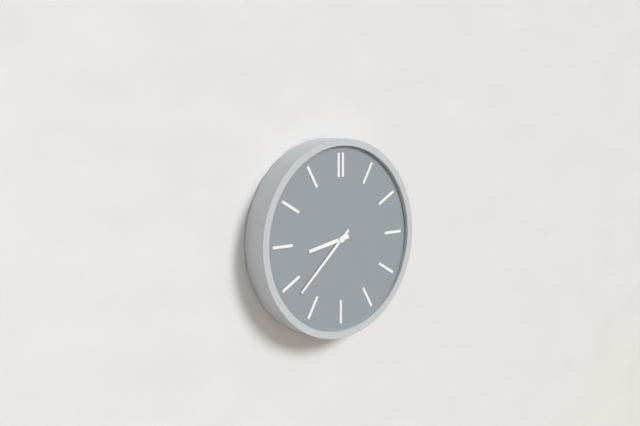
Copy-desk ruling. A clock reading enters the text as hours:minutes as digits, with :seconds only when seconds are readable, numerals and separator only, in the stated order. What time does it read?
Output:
8:38
